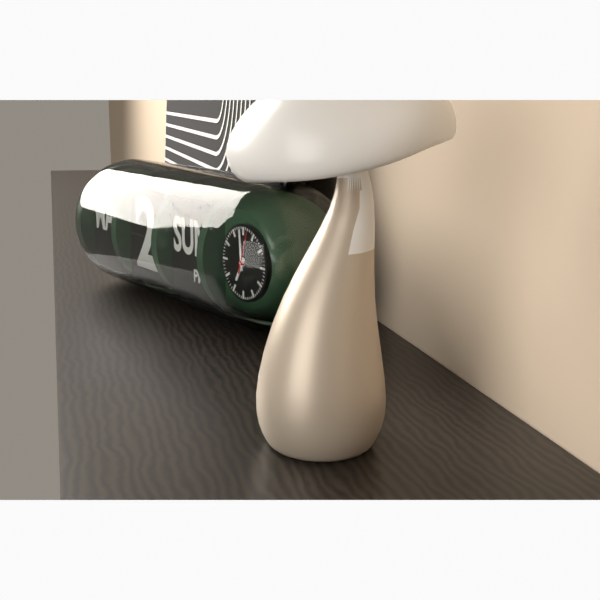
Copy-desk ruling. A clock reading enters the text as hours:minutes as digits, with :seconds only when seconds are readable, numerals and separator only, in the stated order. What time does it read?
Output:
6:59
